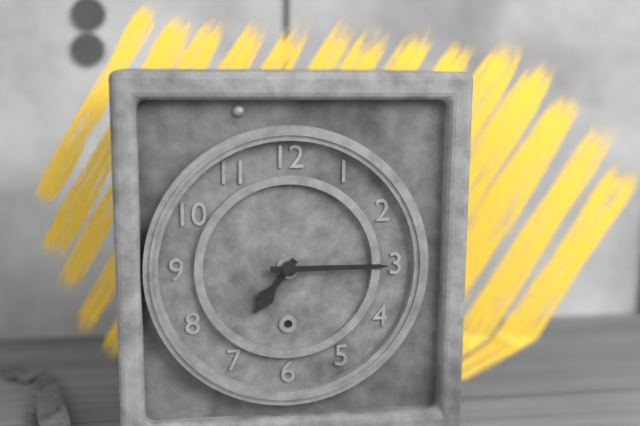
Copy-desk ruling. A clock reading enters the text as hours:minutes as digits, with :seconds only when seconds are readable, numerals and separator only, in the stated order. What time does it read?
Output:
7:15
